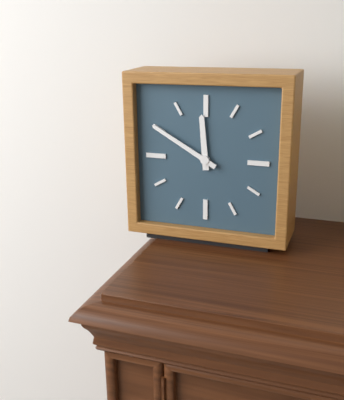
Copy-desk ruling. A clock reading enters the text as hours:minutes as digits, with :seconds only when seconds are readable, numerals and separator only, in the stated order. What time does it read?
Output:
11:50
